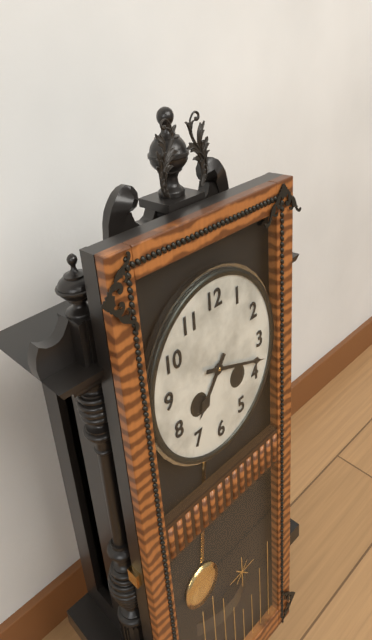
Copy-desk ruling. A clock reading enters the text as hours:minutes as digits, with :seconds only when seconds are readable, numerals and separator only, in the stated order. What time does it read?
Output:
7:18
